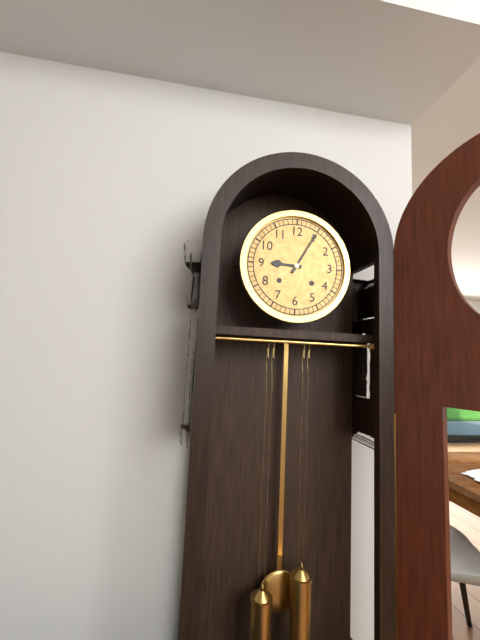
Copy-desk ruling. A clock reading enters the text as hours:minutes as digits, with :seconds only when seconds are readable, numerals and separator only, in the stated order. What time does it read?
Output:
9:05
